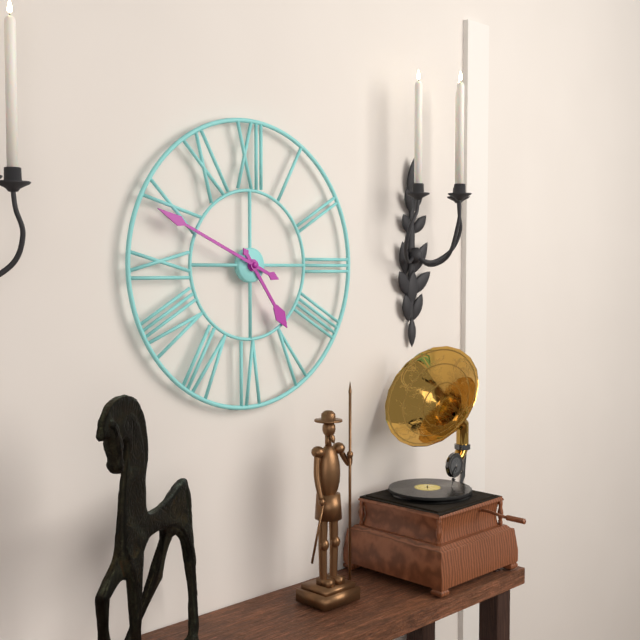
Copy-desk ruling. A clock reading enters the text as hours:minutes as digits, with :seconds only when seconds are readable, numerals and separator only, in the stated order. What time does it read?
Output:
4:49
